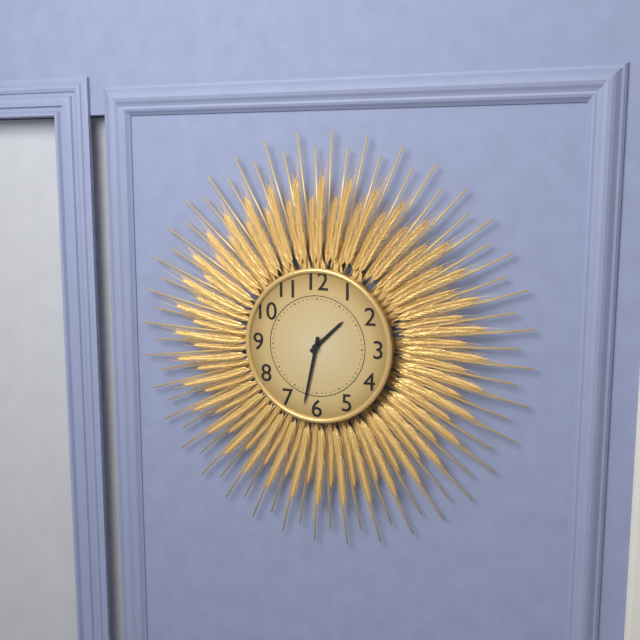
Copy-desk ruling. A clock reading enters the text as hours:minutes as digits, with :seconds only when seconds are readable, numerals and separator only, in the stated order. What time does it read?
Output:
1:32
